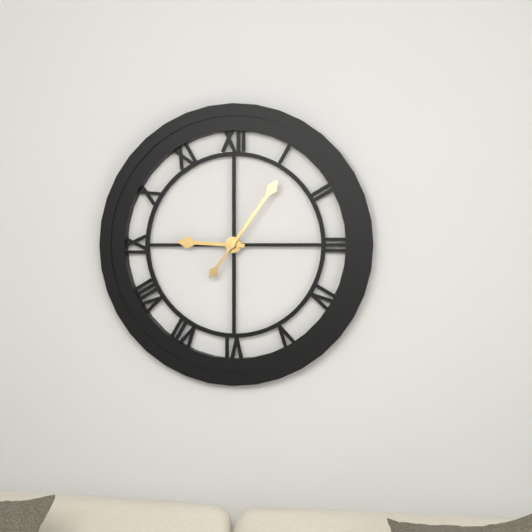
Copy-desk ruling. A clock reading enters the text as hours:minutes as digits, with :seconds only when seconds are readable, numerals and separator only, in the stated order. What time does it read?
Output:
9:06
